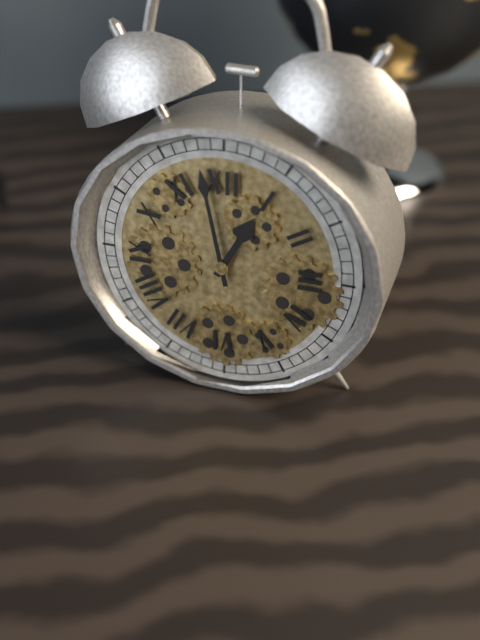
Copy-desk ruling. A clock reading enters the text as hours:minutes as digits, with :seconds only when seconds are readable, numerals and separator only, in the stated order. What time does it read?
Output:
12:58
